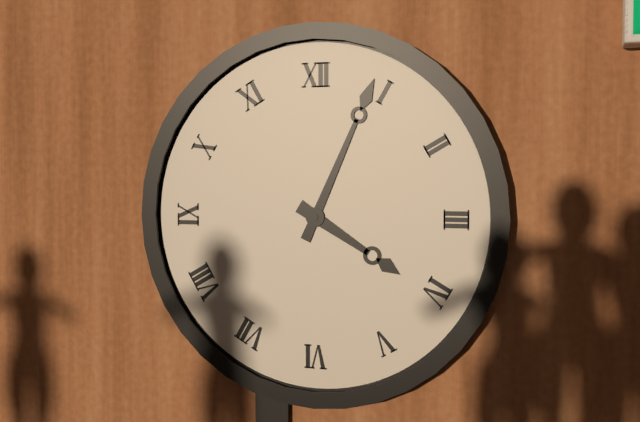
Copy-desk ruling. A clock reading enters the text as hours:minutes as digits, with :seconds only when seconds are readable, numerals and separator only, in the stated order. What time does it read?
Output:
4:04
